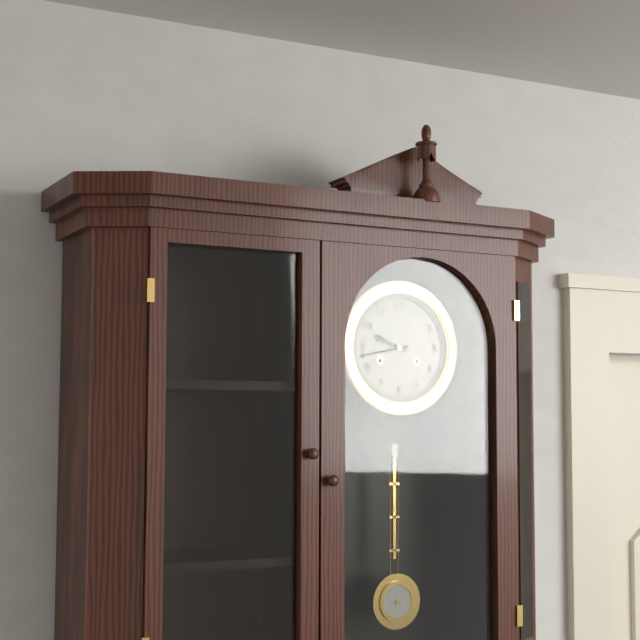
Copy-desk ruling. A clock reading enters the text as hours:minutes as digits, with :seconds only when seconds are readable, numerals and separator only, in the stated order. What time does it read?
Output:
9:43
